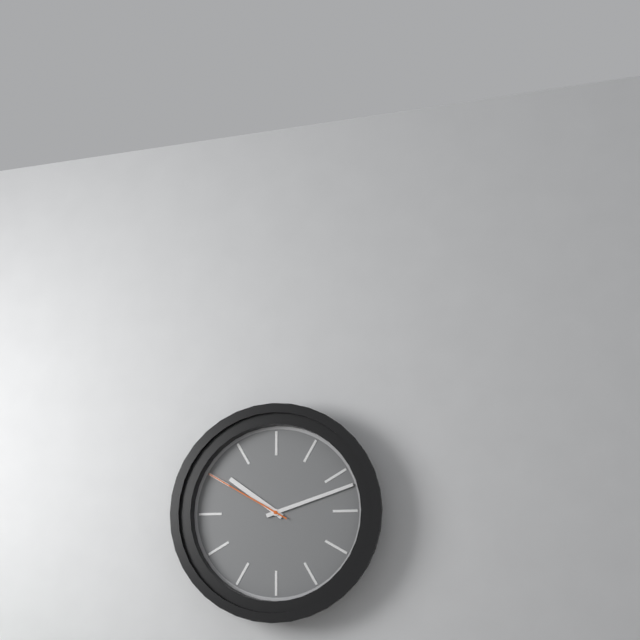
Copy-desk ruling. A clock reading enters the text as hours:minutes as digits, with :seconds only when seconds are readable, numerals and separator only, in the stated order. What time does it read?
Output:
10:12:50
